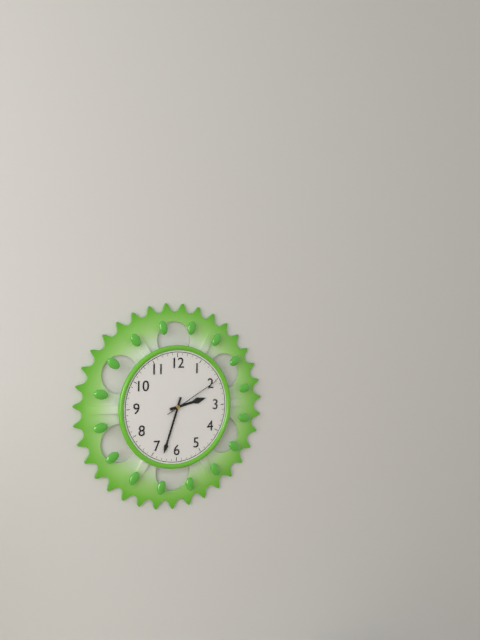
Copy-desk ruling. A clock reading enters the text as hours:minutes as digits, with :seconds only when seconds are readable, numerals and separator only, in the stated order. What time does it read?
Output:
2:33:10
